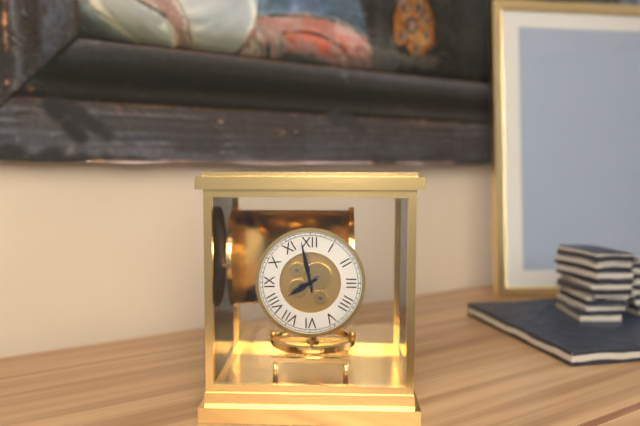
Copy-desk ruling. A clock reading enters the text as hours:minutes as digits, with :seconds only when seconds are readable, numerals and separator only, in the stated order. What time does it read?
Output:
7:58
